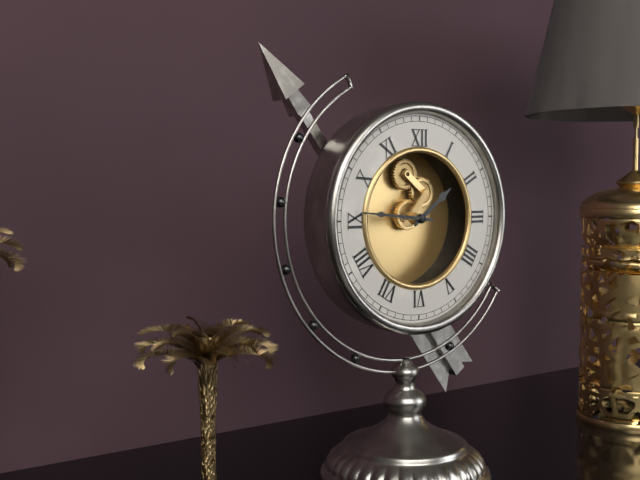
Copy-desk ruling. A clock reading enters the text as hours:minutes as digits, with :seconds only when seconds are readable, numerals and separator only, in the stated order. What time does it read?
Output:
1:46
